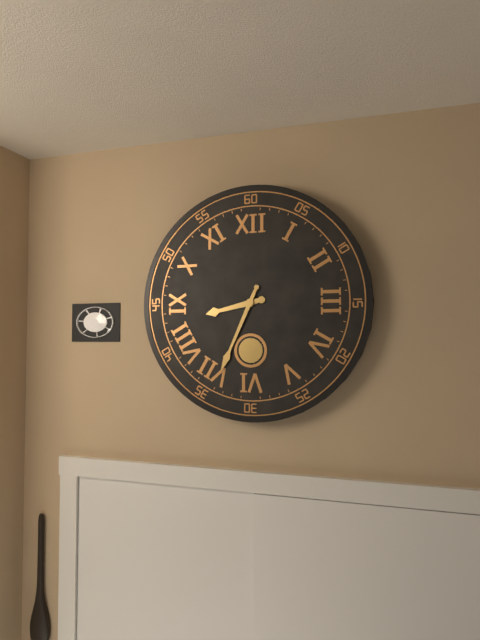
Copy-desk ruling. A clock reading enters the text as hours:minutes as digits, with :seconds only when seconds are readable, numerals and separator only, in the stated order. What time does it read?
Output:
8:34
